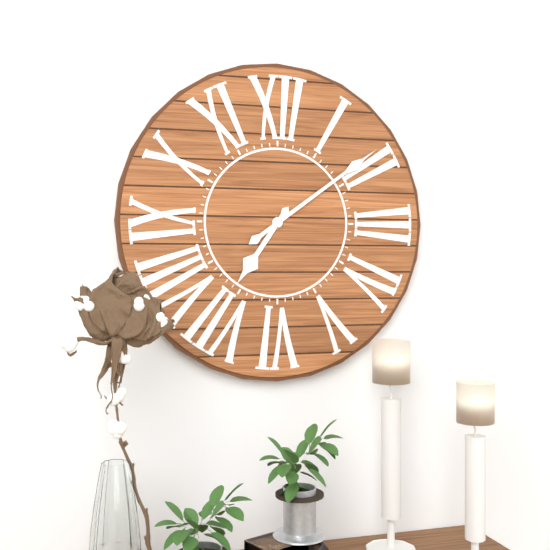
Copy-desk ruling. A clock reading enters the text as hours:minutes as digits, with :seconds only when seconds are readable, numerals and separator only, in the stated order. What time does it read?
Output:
7:09
